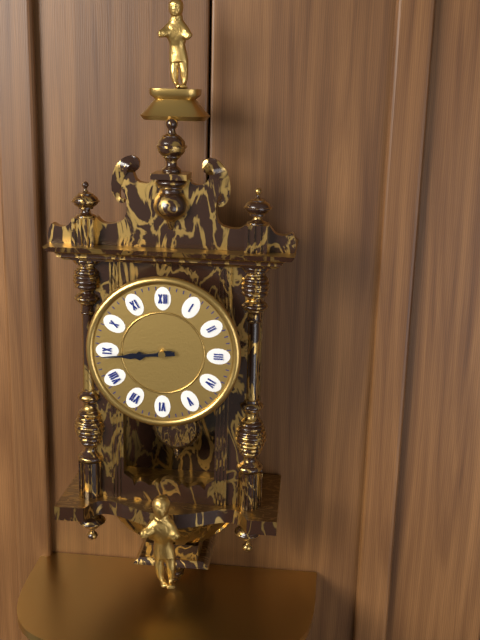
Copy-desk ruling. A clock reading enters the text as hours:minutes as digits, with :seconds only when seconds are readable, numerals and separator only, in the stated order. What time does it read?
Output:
8:44
